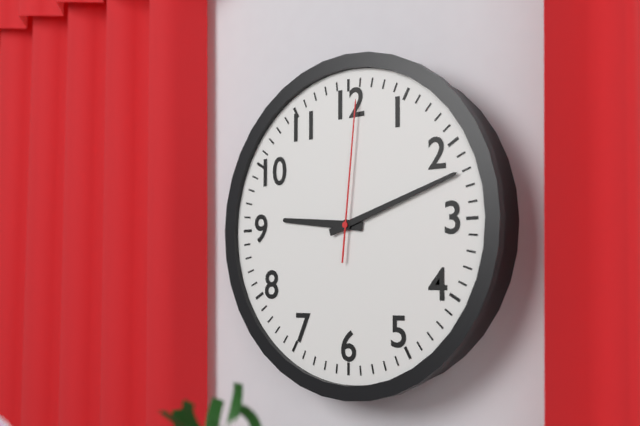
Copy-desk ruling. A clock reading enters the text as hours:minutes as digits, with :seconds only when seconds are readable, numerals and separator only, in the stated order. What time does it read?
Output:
9:12:01
